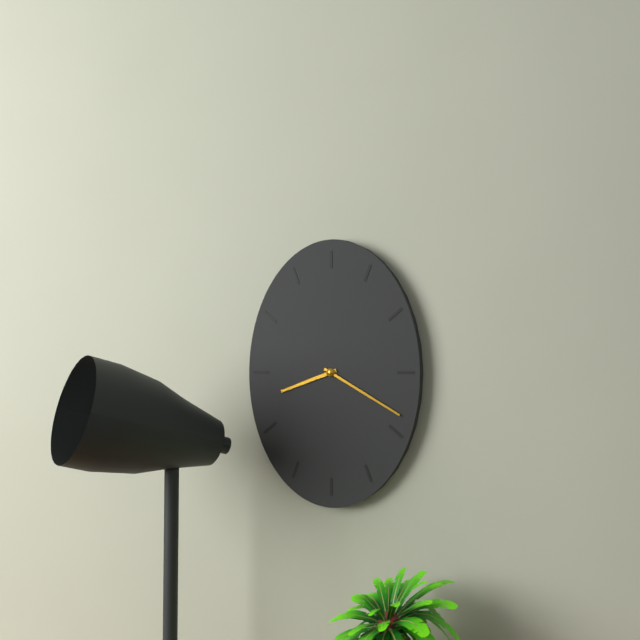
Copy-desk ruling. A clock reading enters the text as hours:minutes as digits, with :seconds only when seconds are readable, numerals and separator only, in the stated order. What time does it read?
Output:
8:20
